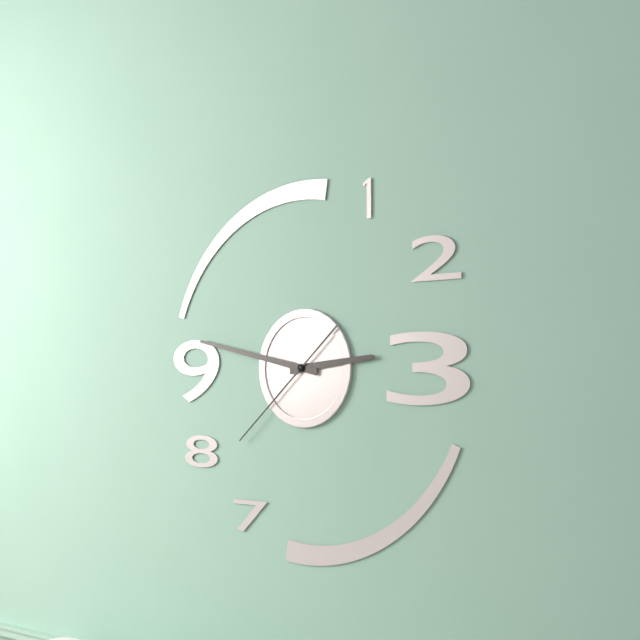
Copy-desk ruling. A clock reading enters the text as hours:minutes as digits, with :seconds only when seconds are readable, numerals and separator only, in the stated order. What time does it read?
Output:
2:47:38
